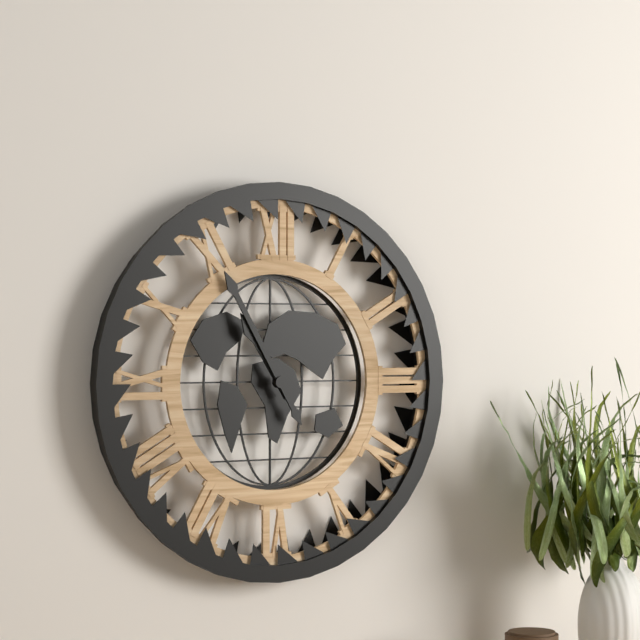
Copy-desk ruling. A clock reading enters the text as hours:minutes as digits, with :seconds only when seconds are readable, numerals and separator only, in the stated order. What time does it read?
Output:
10:55
